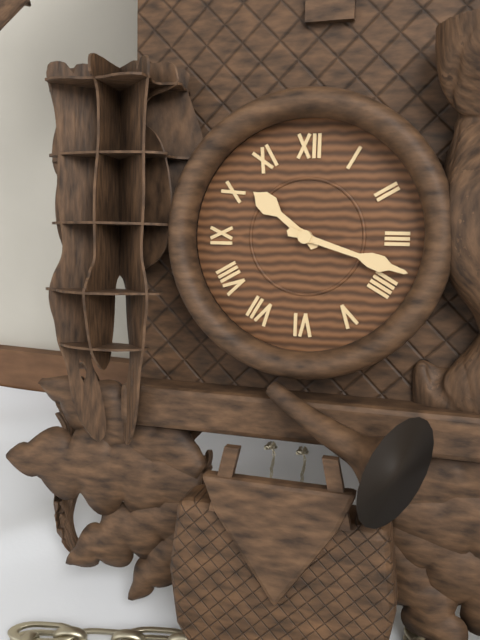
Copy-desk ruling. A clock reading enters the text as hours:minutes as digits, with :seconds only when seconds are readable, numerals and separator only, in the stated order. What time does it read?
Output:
10:18
